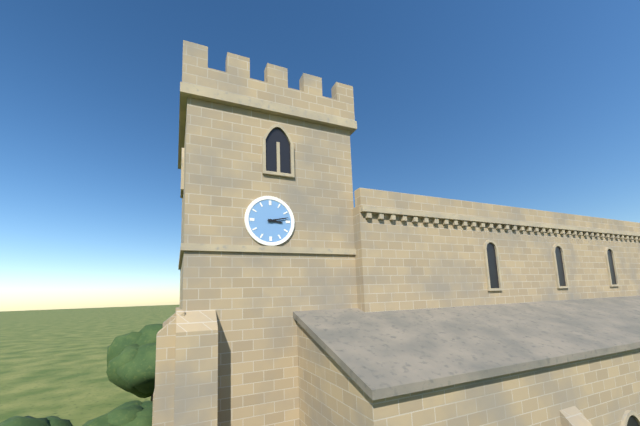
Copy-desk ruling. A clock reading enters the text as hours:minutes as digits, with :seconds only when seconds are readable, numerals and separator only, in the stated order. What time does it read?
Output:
3:13
